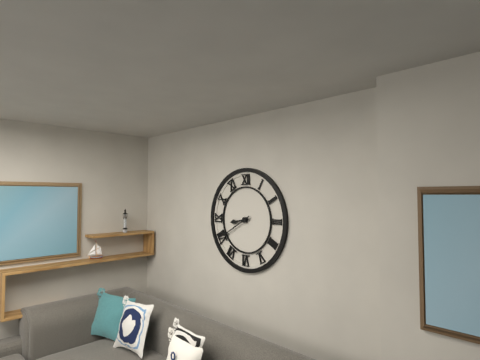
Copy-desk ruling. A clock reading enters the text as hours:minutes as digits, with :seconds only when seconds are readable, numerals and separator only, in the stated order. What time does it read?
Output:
8:40
